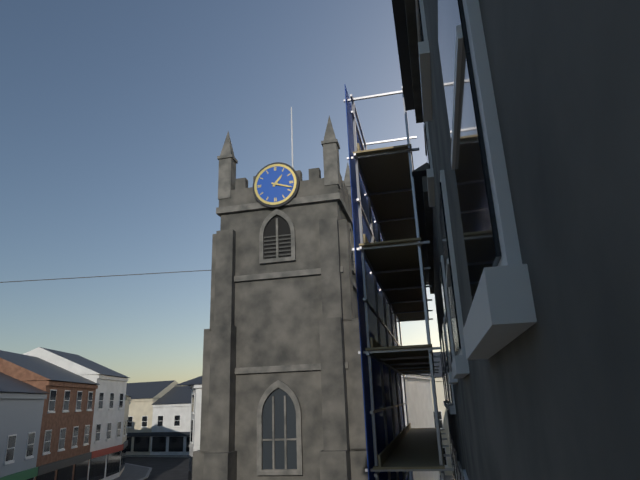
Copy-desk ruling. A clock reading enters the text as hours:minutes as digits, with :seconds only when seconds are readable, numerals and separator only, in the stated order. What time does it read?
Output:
1:18
